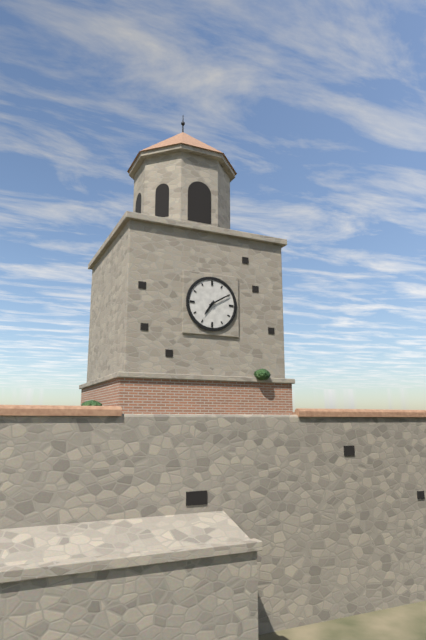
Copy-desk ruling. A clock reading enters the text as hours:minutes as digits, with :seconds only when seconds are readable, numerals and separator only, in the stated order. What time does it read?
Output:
7:10
